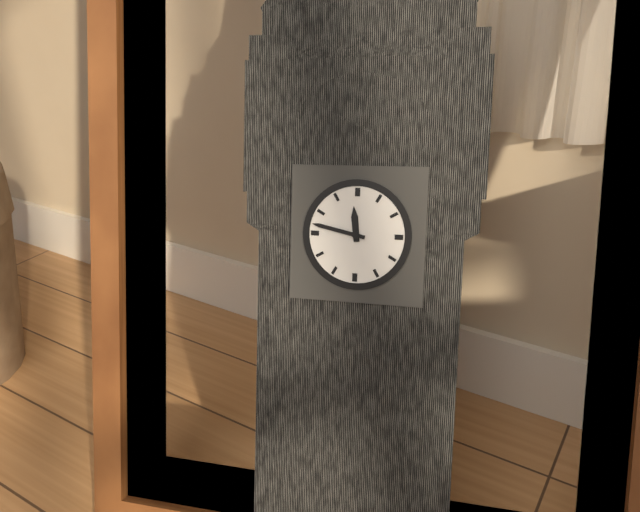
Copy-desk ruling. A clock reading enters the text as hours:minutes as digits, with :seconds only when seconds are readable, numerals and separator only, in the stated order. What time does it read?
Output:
11:47
